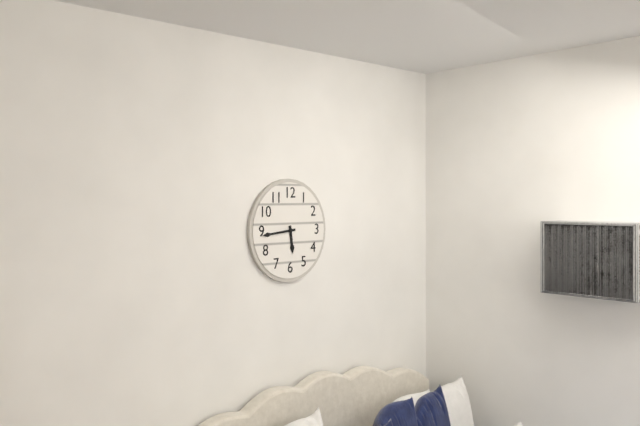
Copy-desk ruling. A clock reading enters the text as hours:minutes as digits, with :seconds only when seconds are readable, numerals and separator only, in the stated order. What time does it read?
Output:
5:44
